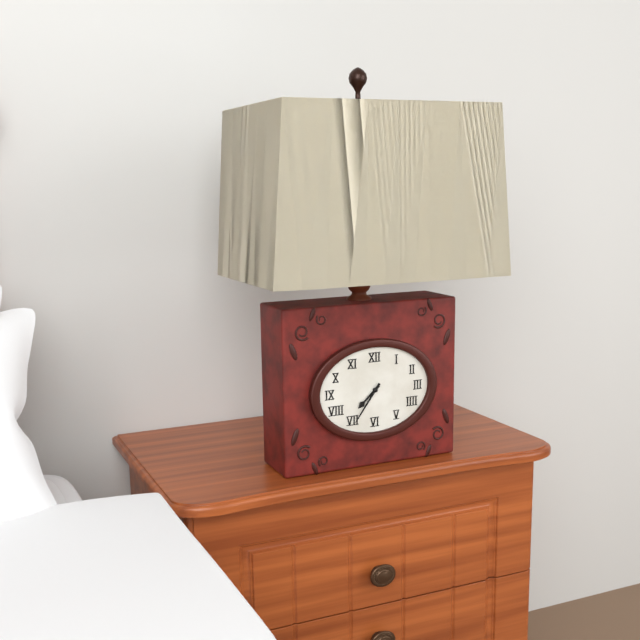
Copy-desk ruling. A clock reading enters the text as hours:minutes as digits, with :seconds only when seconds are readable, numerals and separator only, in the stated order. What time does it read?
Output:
7:36
